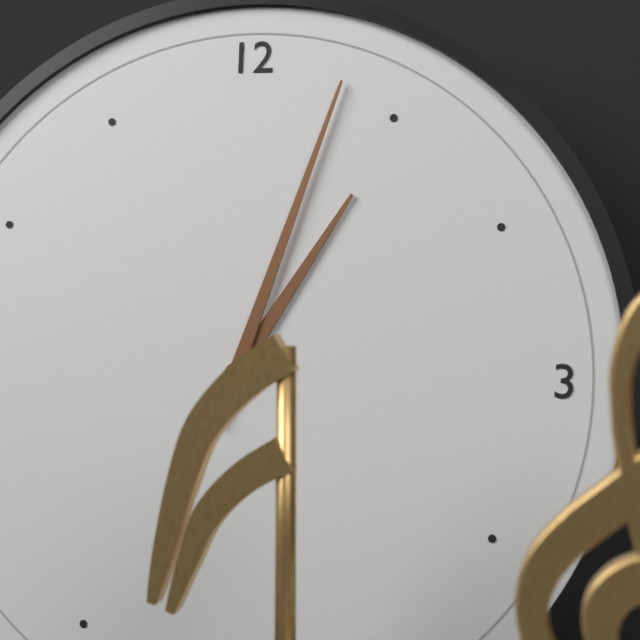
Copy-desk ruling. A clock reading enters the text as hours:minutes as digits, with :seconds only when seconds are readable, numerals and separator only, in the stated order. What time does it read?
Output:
1:03
